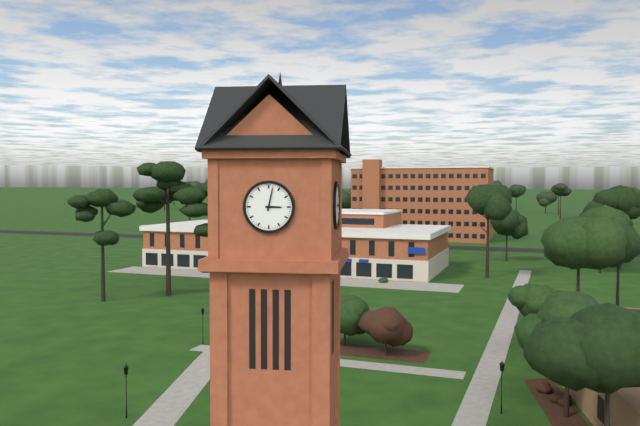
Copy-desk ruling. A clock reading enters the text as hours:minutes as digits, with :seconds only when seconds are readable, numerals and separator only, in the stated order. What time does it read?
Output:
3:02
